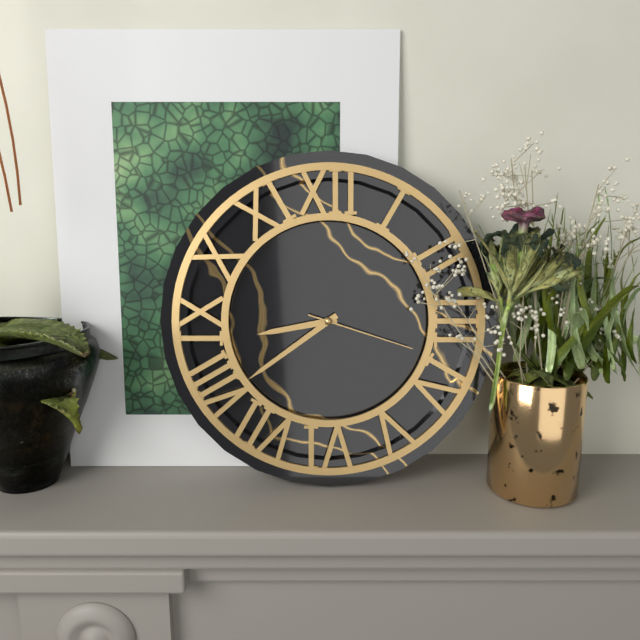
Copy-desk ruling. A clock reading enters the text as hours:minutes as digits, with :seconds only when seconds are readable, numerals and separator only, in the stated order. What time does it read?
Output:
8:39:18
